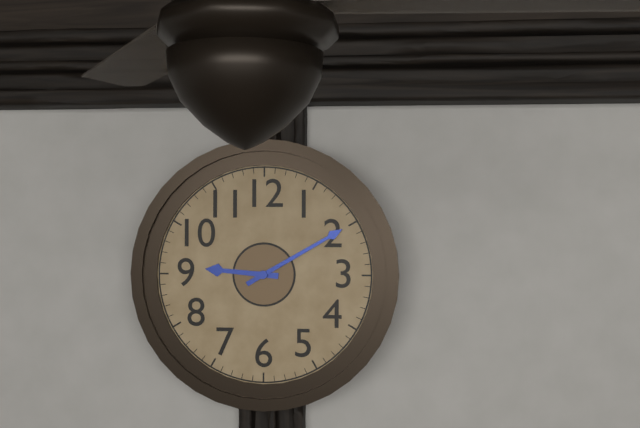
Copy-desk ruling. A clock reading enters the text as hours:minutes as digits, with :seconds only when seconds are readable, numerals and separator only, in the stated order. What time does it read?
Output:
9:10
